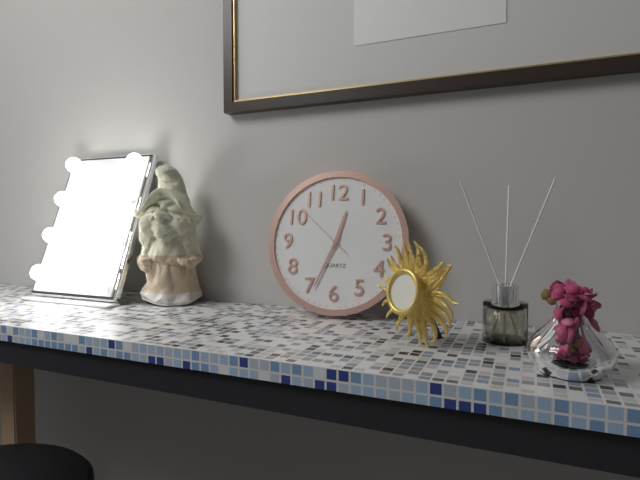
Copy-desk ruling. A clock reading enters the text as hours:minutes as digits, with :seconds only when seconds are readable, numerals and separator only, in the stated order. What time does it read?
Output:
12:34:52
